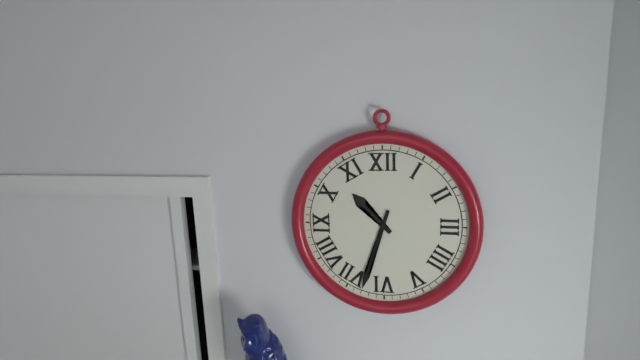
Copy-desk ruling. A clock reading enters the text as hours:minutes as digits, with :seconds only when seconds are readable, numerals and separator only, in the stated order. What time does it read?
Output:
10:33
